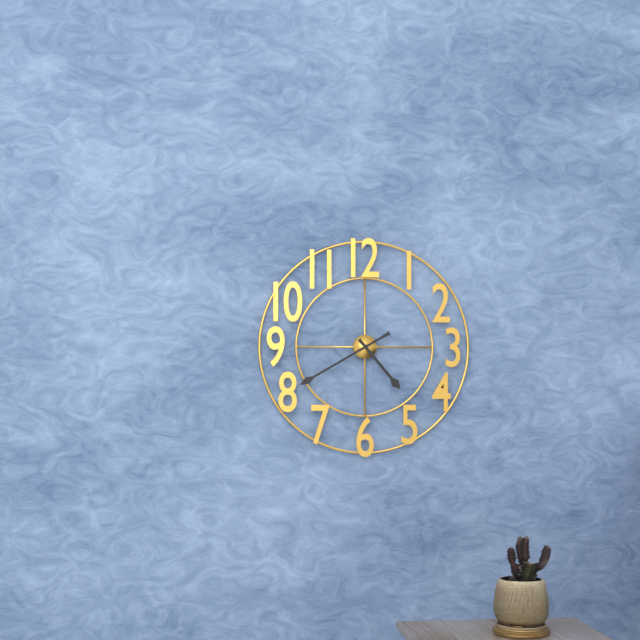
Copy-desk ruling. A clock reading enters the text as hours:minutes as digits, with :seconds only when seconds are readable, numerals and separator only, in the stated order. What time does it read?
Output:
4:40
